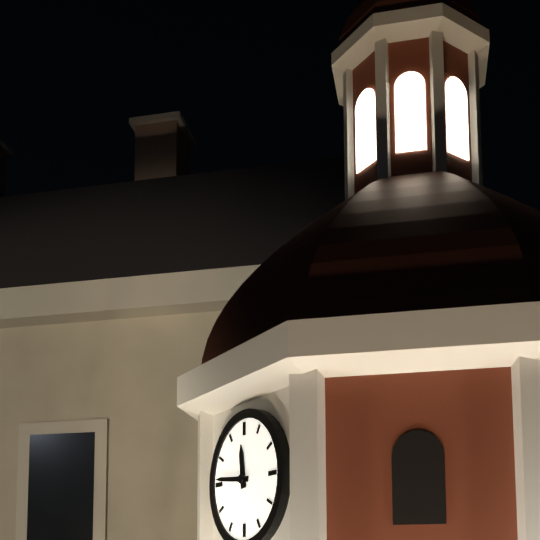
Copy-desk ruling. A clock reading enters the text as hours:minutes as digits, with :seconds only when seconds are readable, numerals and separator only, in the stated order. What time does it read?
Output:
11:46
